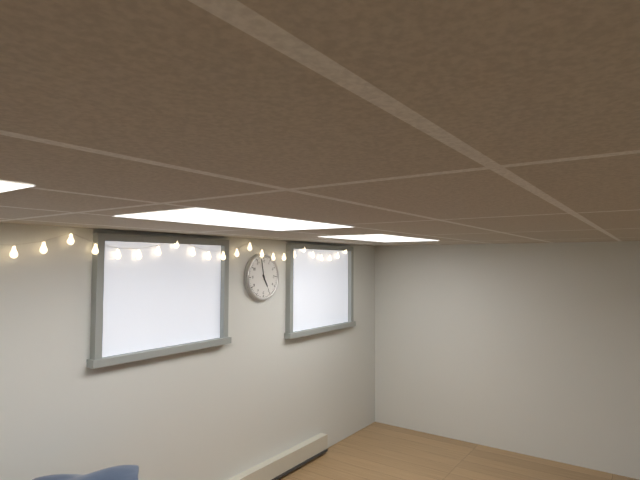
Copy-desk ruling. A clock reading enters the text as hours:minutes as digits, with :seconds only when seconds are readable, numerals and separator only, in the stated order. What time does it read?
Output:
4:58
